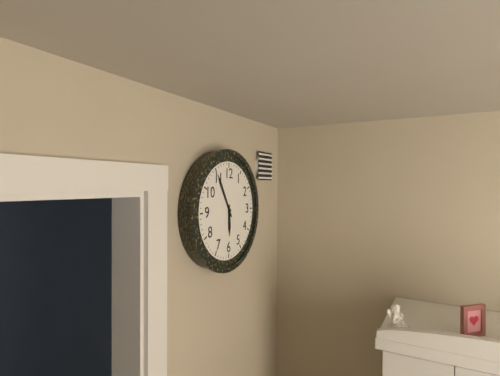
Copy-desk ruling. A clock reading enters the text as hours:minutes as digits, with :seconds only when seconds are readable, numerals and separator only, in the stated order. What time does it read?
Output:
5:55
